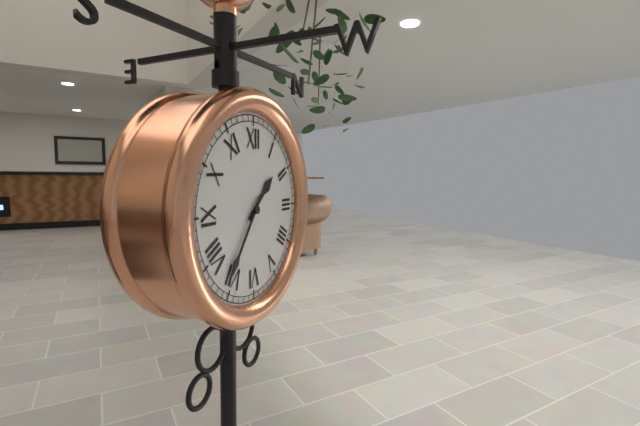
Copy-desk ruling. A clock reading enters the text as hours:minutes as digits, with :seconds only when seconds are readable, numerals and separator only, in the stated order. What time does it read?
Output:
1:36
